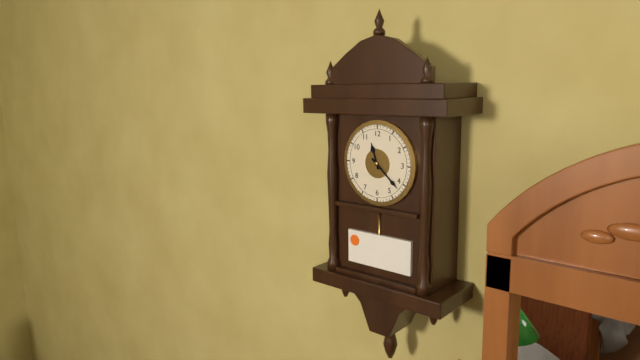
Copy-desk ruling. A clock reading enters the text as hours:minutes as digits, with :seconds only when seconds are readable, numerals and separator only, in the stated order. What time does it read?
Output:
11:22
